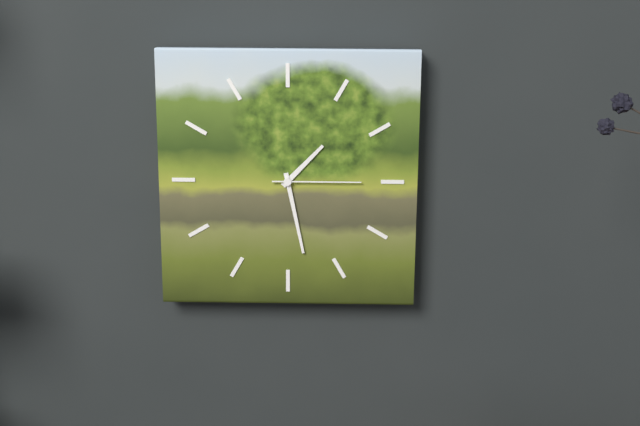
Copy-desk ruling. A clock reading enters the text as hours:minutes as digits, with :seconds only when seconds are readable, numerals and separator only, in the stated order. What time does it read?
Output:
1:28:15
